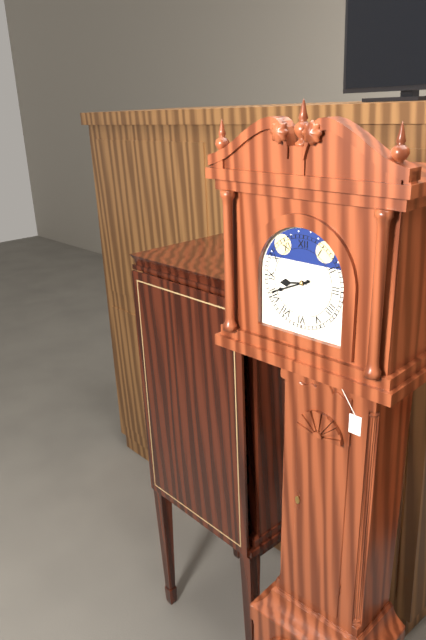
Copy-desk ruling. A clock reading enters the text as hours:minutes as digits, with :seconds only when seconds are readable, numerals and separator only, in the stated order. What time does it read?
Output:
8:41
